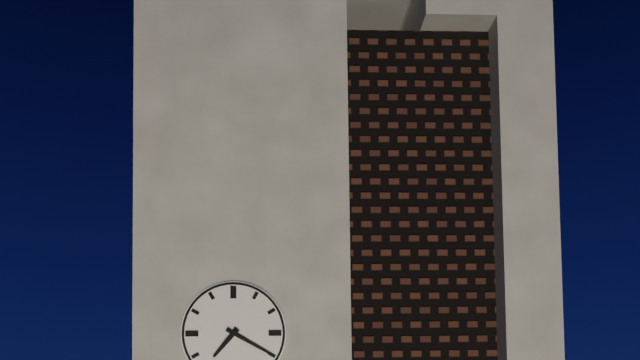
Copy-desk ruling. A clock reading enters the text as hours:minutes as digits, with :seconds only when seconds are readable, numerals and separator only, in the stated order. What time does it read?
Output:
7:20
